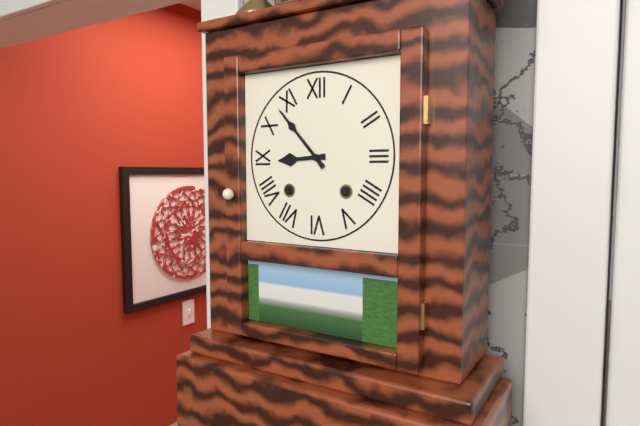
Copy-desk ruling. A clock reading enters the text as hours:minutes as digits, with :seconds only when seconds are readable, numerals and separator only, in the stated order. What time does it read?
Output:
8:53
